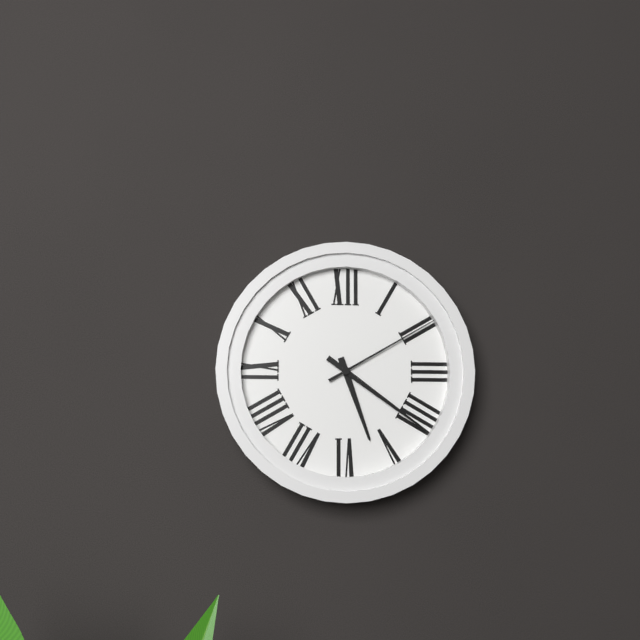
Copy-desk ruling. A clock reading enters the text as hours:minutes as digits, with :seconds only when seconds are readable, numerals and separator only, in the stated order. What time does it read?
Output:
5:21:10
